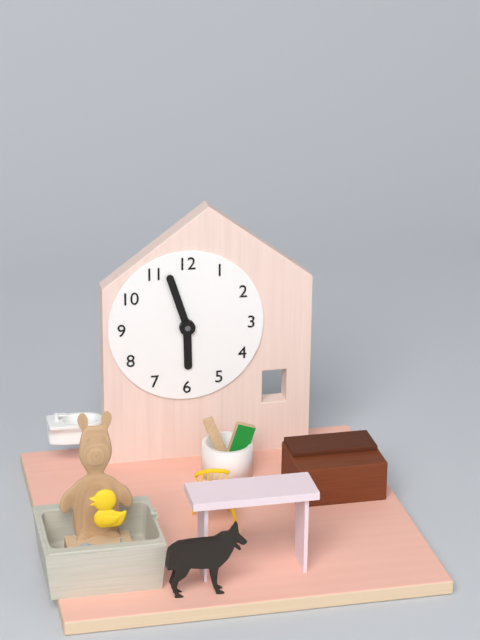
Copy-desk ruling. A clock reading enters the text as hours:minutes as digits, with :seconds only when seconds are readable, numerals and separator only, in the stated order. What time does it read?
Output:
5:57
